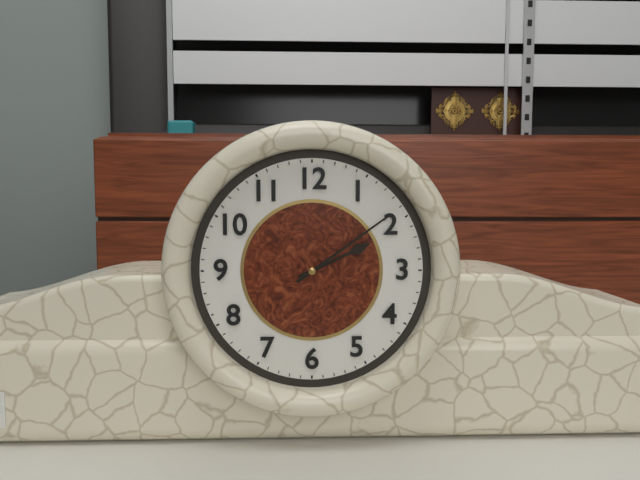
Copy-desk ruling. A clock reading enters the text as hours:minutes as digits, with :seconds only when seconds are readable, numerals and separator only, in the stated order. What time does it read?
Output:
2:09
